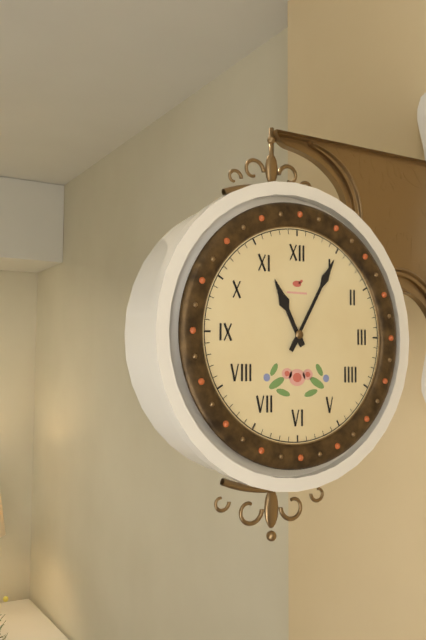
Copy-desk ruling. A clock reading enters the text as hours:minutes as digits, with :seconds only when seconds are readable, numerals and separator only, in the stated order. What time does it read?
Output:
11:05
